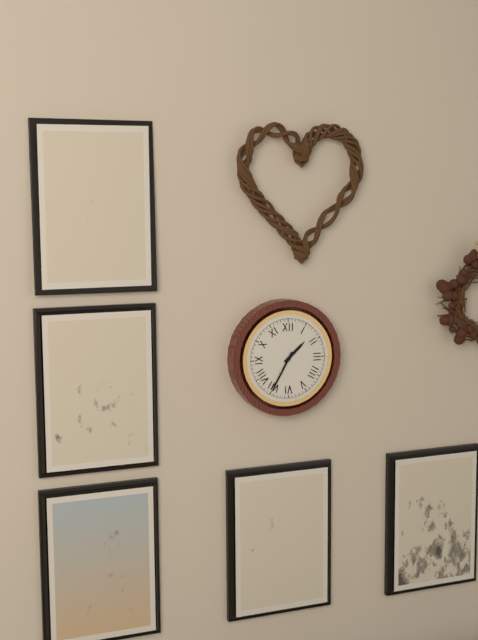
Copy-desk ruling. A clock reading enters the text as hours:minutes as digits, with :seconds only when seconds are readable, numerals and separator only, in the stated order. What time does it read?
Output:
1:35
